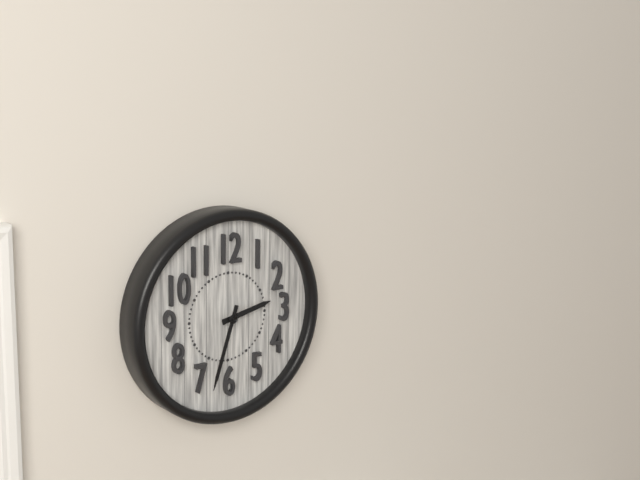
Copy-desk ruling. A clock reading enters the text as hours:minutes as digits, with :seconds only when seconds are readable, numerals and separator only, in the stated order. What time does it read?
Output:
2:33
